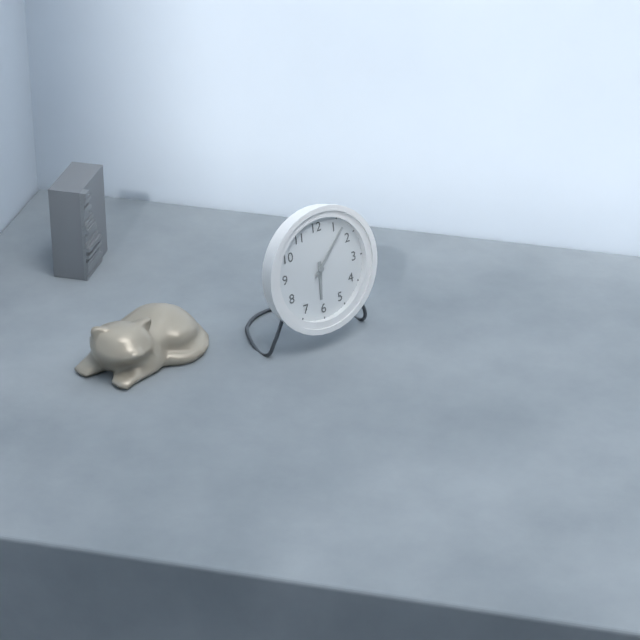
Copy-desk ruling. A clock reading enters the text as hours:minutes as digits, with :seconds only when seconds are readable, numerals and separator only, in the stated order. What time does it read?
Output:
6:07
